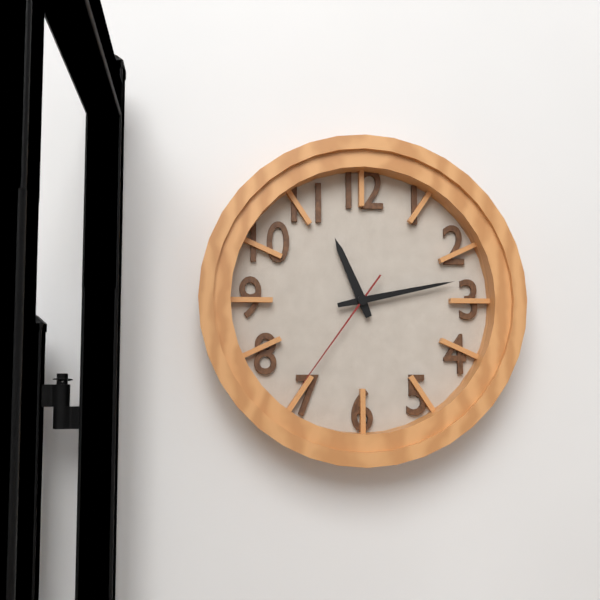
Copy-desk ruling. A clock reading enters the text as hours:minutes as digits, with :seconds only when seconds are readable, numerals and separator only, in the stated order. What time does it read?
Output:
11:13:36
